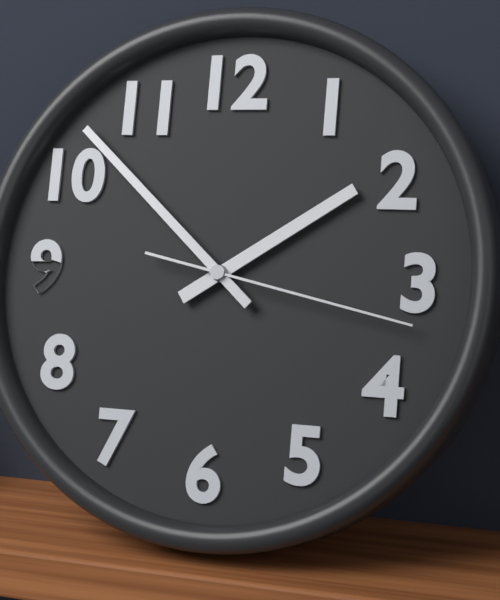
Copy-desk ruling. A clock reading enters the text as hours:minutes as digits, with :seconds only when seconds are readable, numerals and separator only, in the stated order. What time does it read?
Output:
1:52:17
